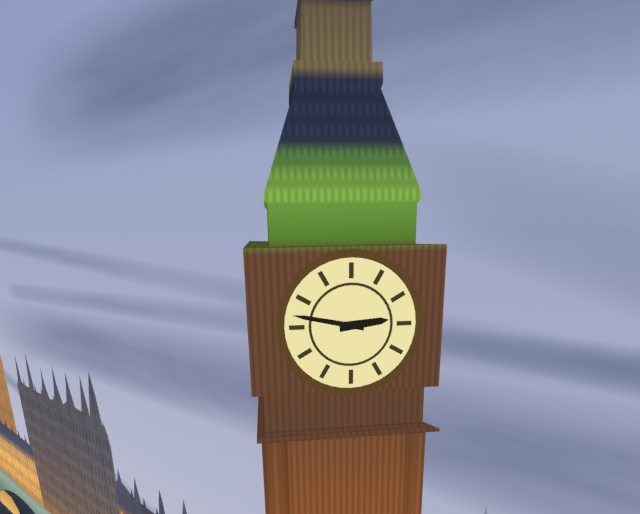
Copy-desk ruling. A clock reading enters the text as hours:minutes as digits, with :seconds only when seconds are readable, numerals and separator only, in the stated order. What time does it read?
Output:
2:47
